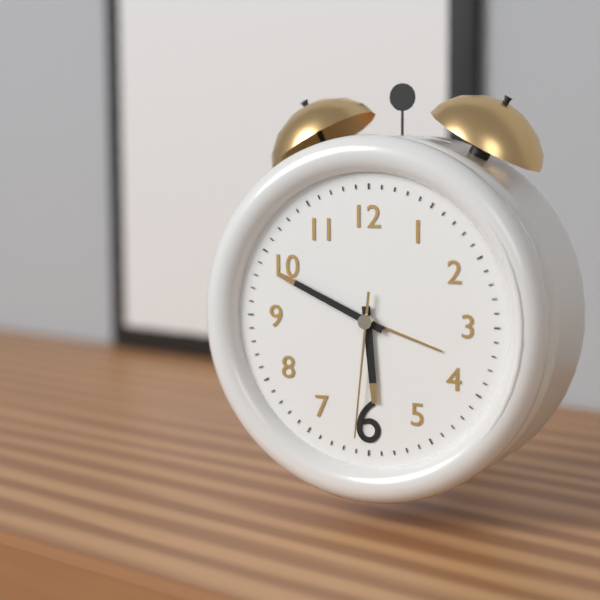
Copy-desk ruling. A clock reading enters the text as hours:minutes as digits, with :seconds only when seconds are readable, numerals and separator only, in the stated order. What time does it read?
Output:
5:49:31
